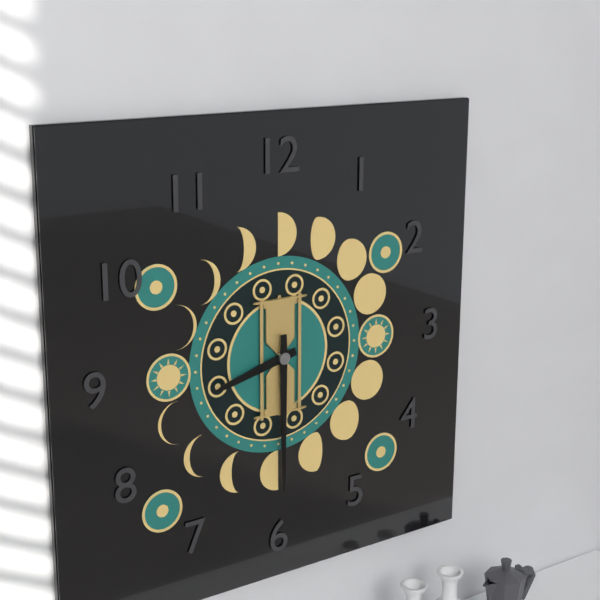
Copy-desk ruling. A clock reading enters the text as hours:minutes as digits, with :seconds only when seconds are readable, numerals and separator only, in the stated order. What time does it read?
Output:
8:30
